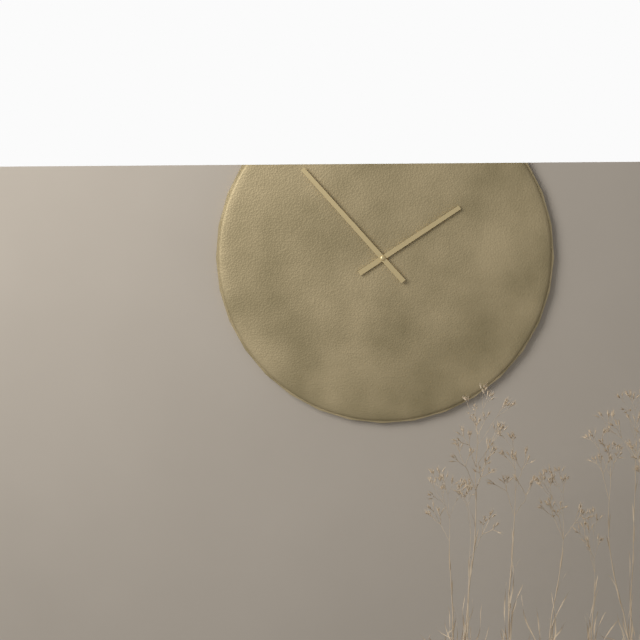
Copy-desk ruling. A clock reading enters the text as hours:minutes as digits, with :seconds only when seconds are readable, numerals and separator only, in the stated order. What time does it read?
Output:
1:53
